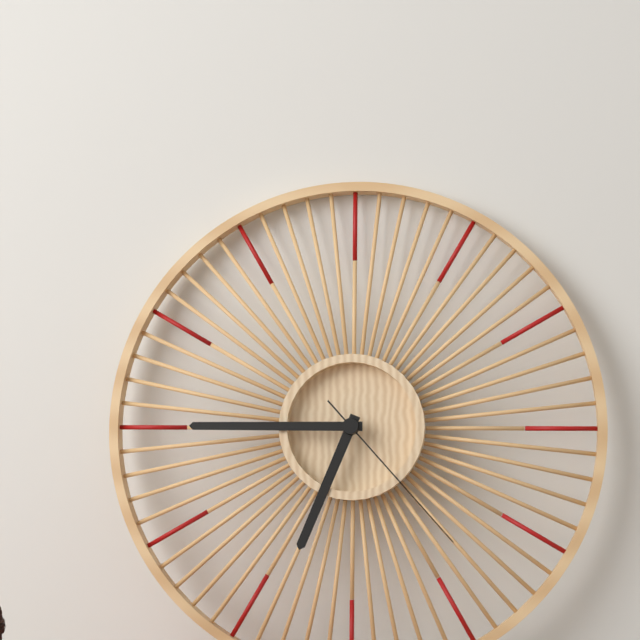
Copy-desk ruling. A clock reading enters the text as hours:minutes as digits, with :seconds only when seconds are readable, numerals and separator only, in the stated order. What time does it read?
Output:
6:45:23
